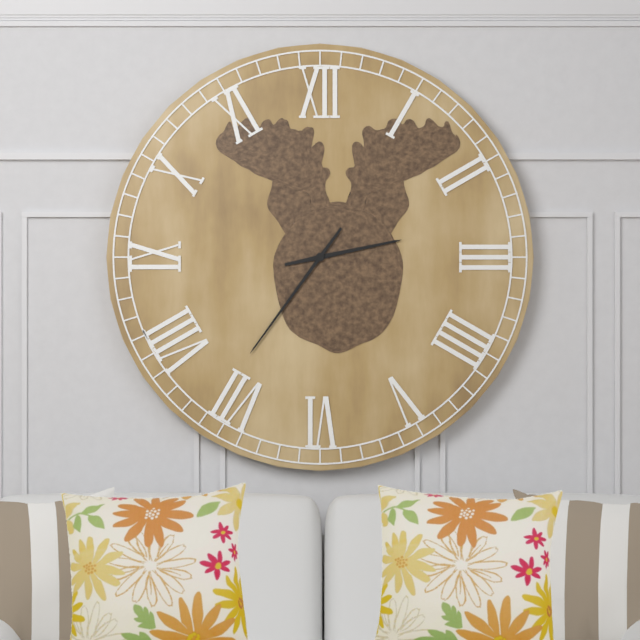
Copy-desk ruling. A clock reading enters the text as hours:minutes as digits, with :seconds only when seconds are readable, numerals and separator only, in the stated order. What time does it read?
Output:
2:36
